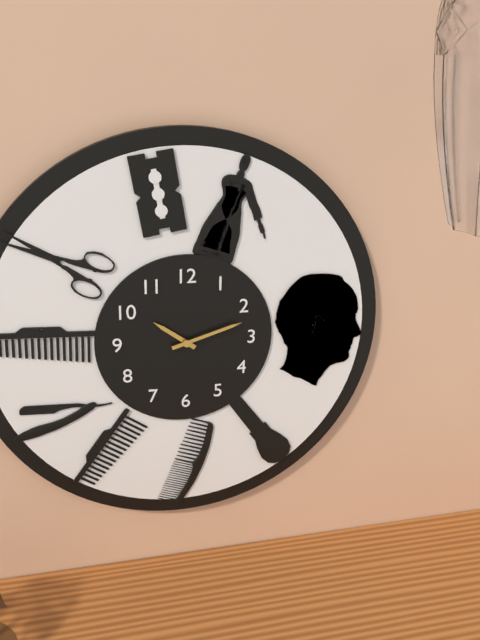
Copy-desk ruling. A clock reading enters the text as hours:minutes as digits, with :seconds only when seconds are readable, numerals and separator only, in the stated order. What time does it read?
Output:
10:12
